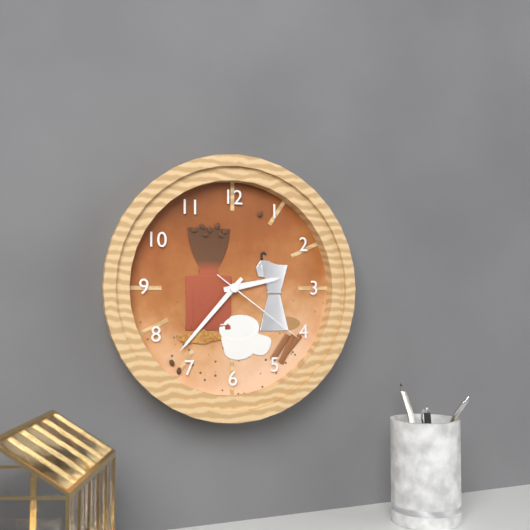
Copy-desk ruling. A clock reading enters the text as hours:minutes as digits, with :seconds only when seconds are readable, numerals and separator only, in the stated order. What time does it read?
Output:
2:37:21
